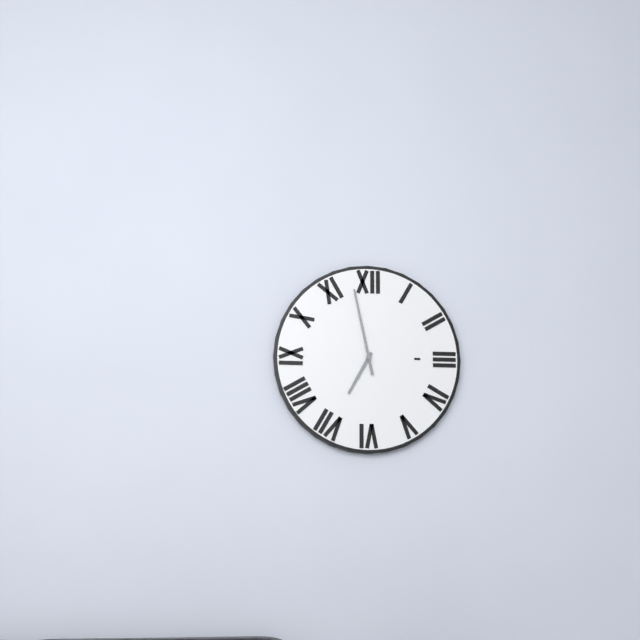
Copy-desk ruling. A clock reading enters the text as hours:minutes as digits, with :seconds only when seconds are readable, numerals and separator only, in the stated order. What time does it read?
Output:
6:58
